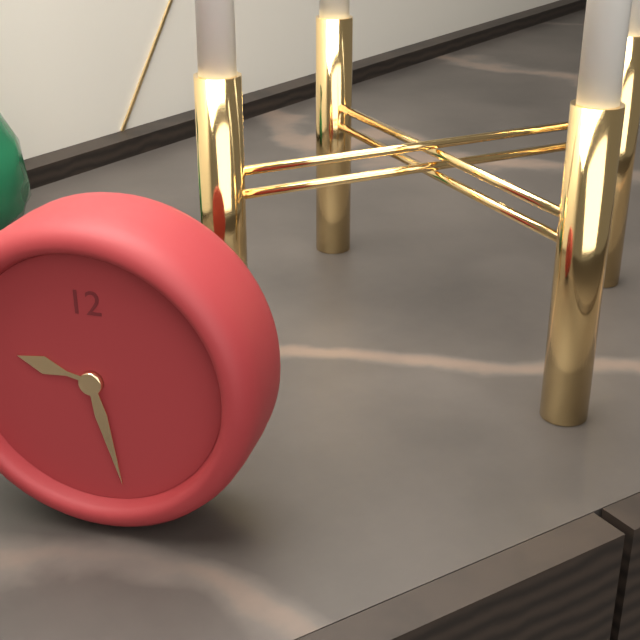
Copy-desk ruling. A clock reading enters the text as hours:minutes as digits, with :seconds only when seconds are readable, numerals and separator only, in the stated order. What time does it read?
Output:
9:28
